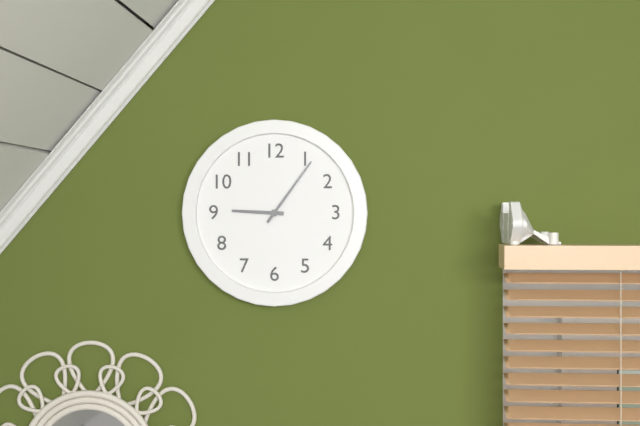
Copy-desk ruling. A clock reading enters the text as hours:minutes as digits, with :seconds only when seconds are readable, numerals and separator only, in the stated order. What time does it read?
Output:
9:06
